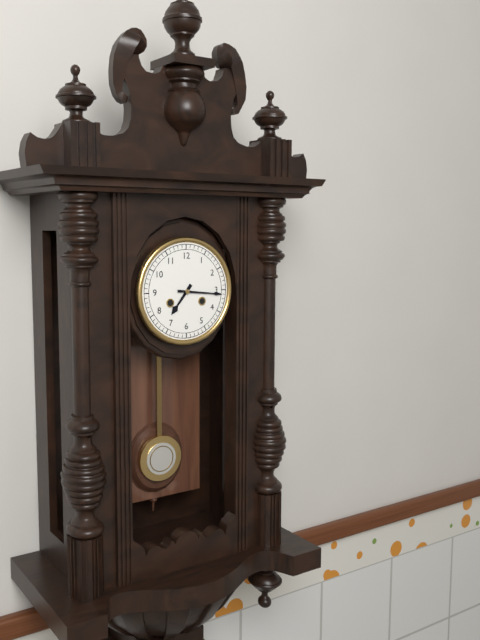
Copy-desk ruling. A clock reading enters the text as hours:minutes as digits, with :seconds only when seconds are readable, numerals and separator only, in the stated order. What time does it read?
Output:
7:16
